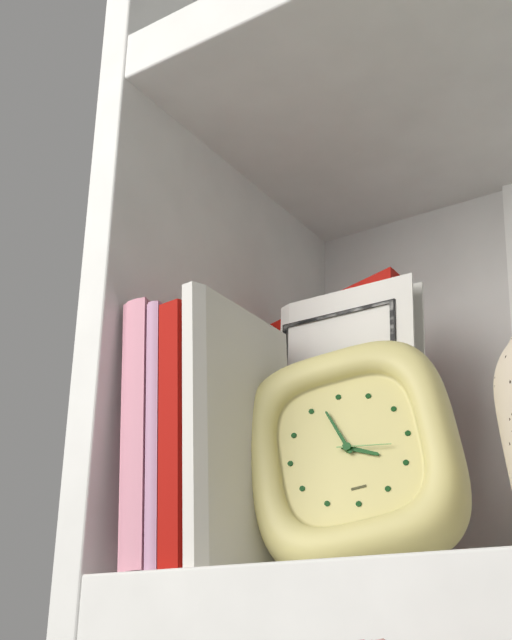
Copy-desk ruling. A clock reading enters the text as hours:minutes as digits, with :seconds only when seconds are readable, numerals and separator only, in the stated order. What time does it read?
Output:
3:57:17
